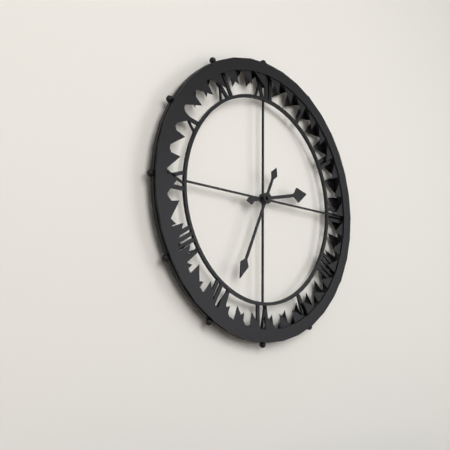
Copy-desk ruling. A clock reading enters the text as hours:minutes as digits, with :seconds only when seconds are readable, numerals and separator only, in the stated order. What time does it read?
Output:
2:34
